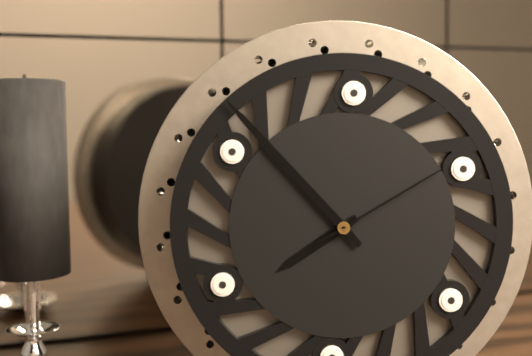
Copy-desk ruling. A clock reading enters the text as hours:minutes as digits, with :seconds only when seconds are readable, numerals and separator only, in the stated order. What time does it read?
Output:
7:53:10
